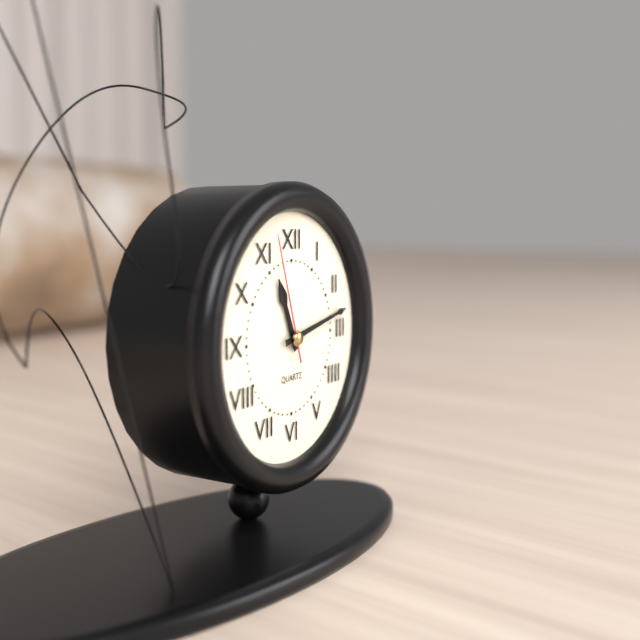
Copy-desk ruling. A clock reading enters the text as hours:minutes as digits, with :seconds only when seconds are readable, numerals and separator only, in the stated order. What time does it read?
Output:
11:13:57
